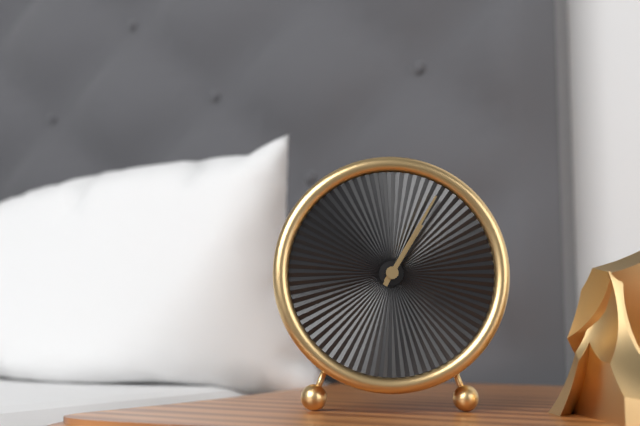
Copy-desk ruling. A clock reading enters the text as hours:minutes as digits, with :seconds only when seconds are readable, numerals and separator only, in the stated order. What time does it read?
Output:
1:05
